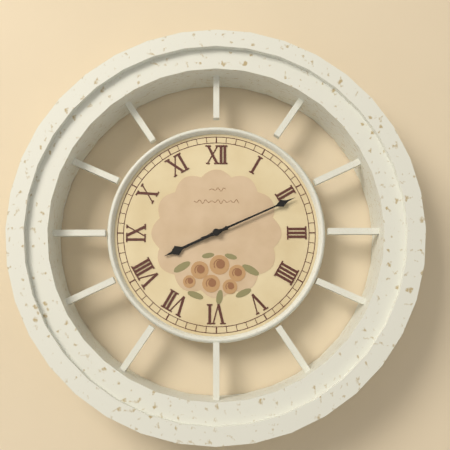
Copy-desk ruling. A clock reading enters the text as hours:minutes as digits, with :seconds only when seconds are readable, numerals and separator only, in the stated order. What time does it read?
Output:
8:11
